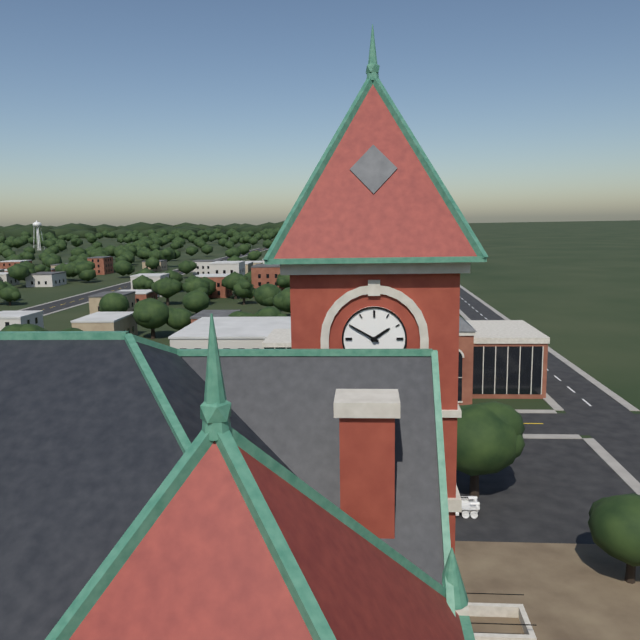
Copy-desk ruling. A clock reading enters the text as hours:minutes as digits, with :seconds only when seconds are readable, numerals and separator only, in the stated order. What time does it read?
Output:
1:50
